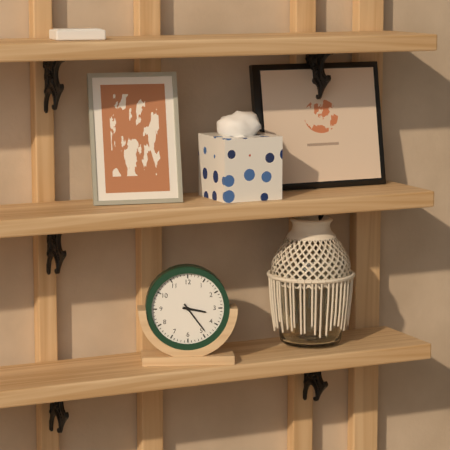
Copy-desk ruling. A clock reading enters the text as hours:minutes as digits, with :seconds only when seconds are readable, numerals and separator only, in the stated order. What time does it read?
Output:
3:24
